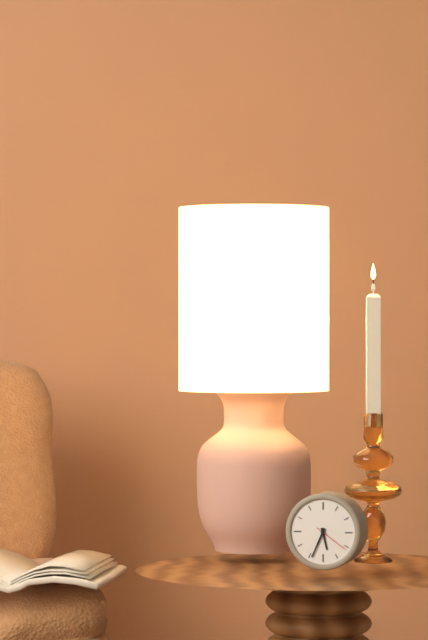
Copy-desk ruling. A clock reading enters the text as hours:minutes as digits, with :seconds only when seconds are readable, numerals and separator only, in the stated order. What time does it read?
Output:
5:34
